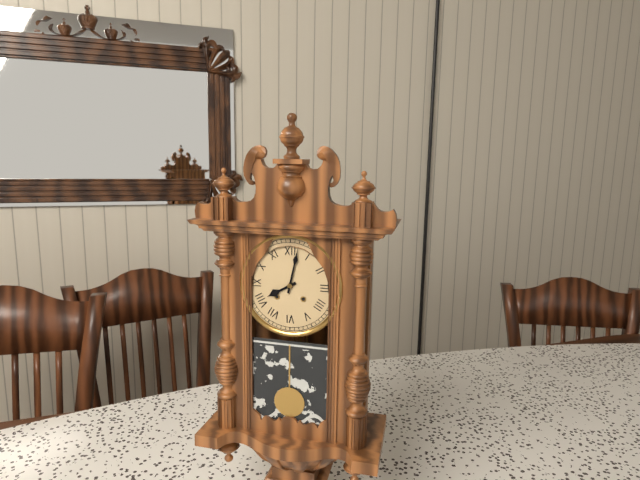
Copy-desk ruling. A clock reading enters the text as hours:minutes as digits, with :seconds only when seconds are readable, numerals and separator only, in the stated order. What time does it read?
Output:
8:02
